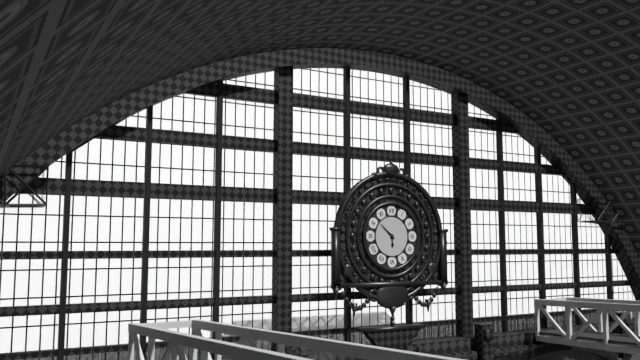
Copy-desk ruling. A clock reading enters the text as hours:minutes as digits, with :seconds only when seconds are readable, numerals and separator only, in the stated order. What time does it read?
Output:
5:52
